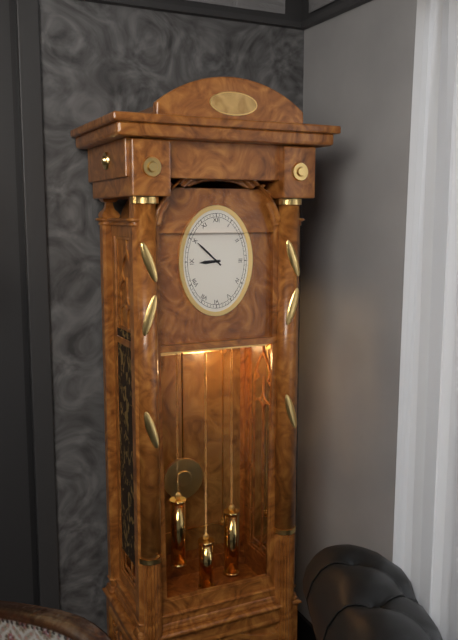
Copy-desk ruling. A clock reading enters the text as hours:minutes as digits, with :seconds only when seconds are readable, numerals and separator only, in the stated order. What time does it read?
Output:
8:52
